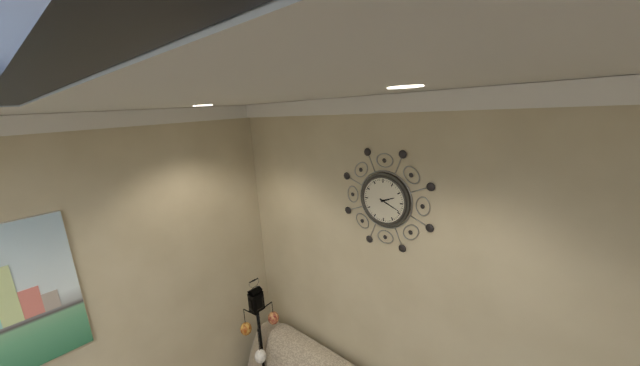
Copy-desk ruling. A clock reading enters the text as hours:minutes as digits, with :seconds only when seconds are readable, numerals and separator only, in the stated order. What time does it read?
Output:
2:19
